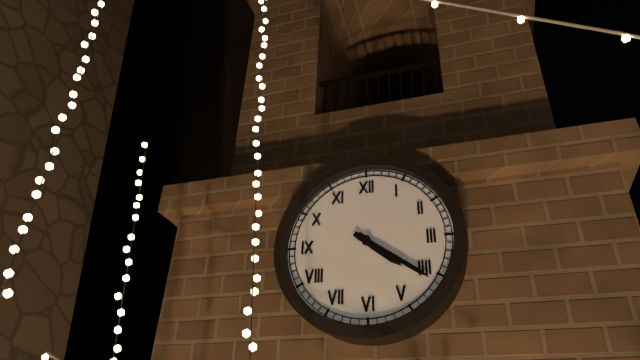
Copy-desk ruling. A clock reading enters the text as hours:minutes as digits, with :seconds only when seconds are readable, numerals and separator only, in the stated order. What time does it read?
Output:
4:21
